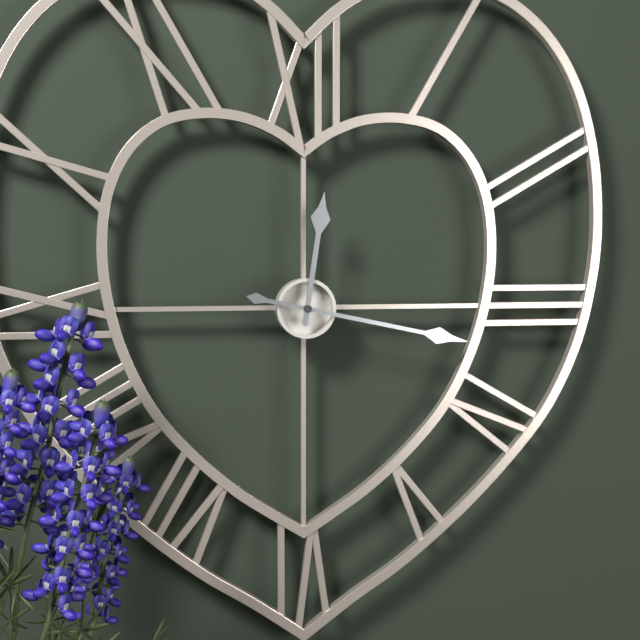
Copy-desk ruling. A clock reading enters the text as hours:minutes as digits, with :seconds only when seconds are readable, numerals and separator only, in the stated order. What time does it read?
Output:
12:17
